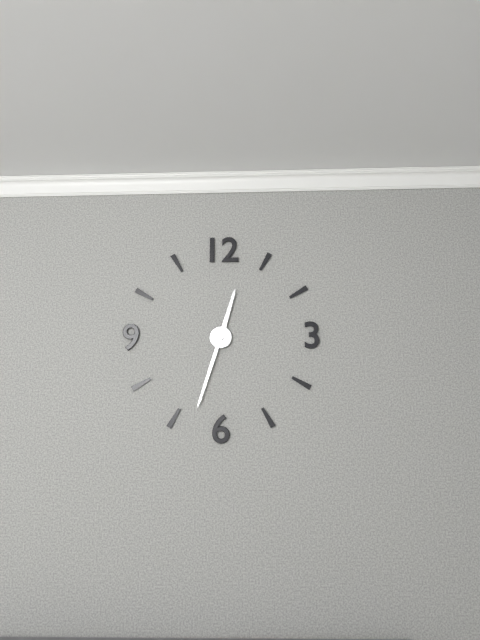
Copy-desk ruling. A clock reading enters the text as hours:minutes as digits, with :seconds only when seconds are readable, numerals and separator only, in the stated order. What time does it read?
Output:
12:33
